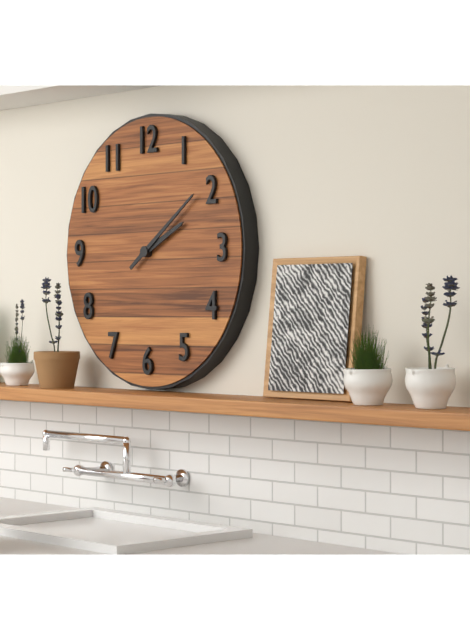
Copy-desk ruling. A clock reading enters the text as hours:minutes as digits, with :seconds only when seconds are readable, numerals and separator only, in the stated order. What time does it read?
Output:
2:09
